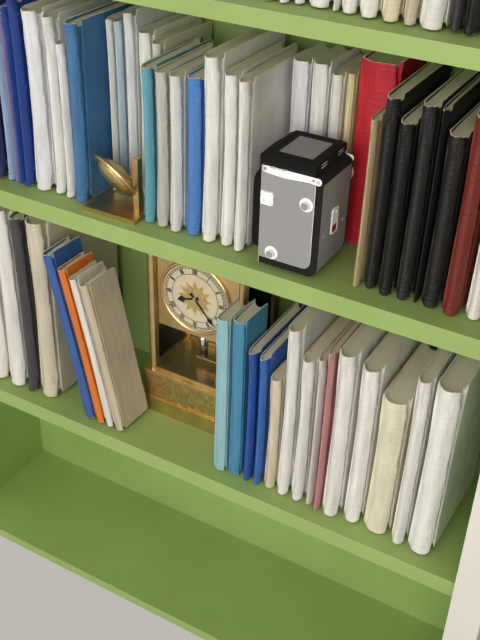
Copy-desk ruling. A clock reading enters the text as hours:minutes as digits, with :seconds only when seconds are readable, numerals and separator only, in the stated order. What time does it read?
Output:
8:23
